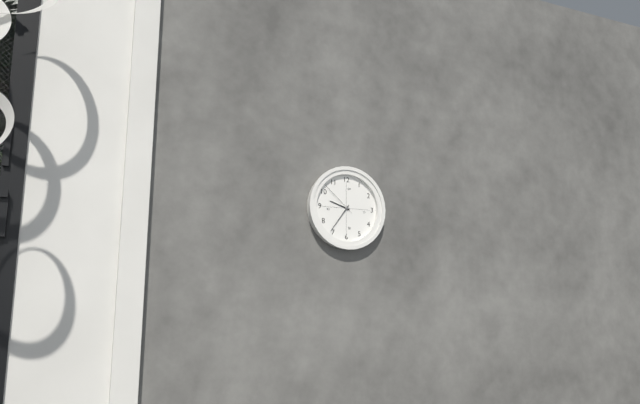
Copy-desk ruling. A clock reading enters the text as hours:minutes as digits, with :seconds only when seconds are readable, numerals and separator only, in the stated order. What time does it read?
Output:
9:36
